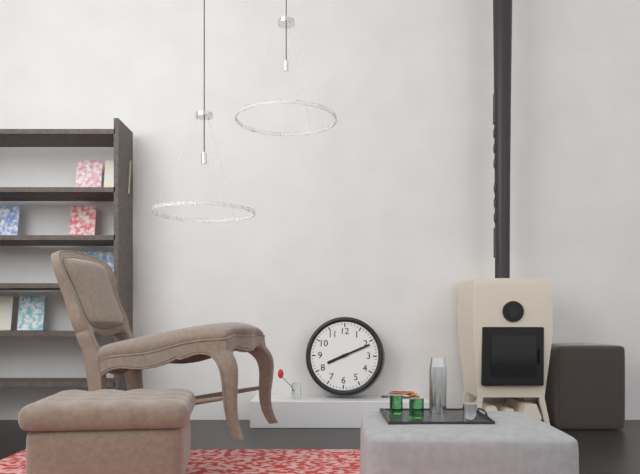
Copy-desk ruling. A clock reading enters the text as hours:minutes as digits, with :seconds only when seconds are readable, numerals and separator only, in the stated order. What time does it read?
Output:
8:11
